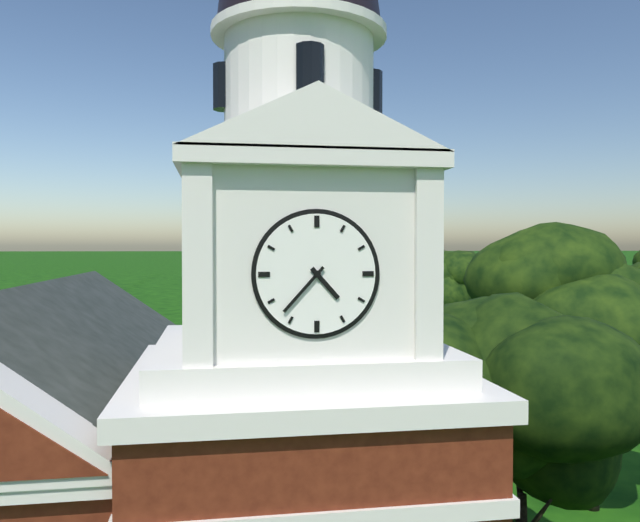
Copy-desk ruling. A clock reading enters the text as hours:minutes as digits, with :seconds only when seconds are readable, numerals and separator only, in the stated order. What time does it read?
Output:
4:37
